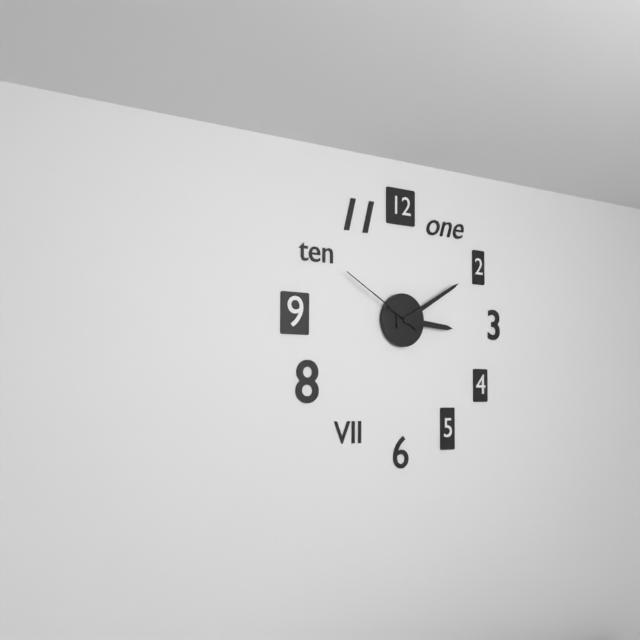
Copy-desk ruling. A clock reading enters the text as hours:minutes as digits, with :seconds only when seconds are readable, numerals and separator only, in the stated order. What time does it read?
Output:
3:10:50
